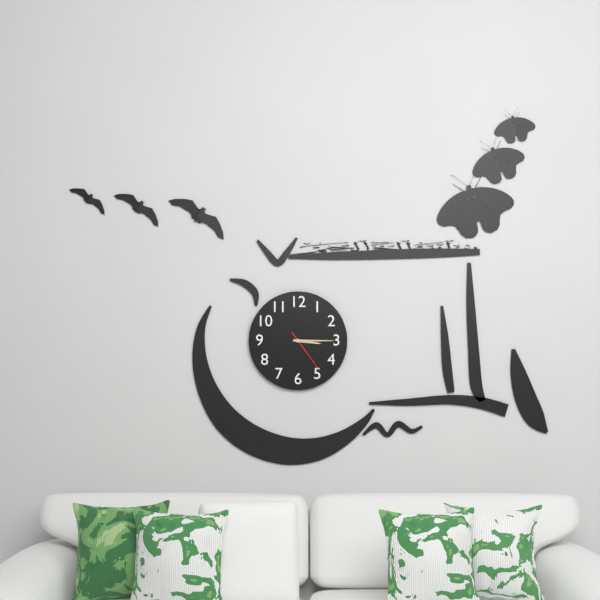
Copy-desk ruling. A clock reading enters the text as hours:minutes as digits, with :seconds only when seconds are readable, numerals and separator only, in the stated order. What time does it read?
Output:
3:15
